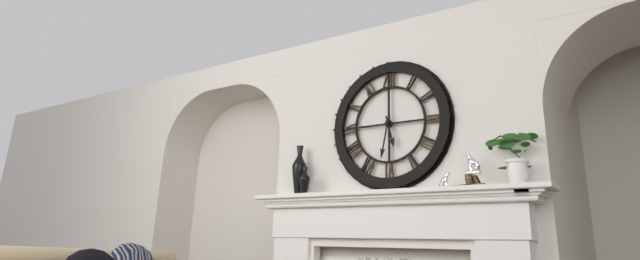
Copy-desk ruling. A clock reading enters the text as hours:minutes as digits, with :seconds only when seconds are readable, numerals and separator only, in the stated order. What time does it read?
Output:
5:32
